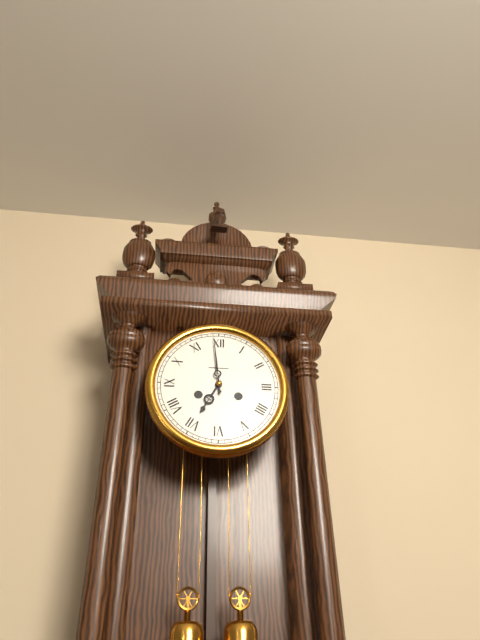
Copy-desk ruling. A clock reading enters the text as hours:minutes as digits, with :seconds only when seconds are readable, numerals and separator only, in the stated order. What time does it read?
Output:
6:59
